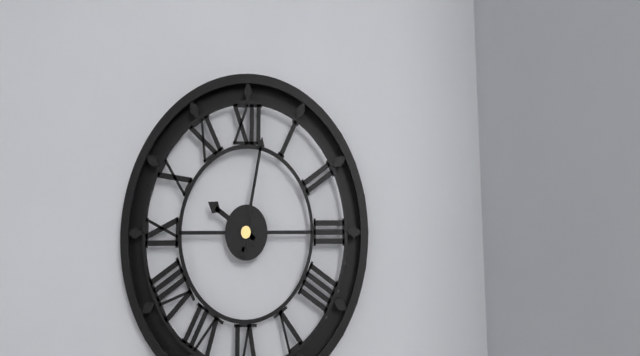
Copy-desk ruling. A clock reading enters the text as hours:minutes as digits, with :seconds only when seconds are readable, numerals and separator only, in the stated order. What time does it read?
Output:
10:02
